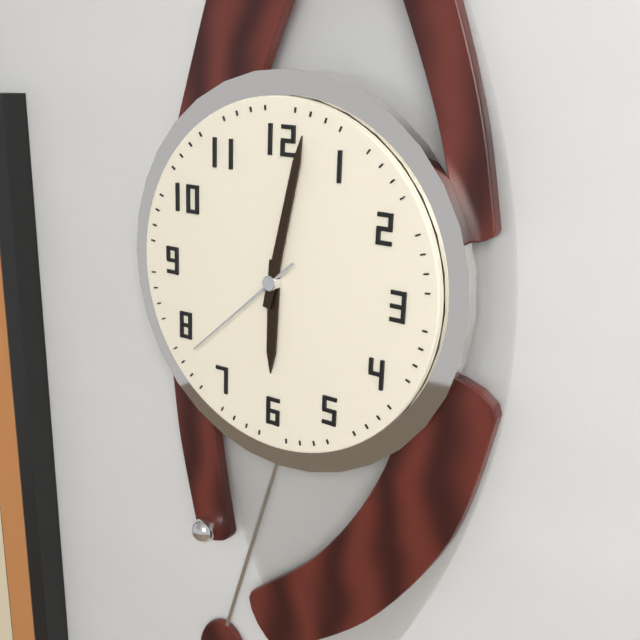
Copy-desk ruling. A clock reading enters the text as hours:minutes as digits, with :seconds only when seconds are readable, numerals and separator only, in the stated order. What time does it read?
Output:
6:02:38
